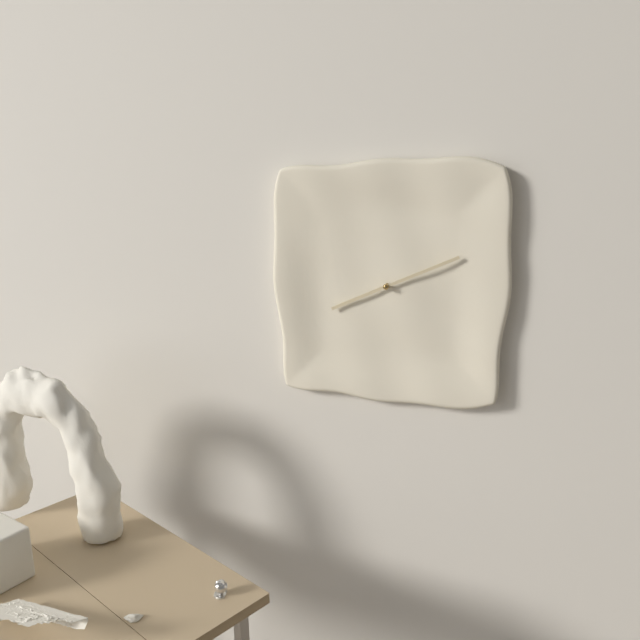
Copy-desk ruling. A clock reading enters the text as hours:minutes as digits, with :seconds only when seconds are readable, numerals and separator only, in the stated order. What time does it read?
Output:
8:11
